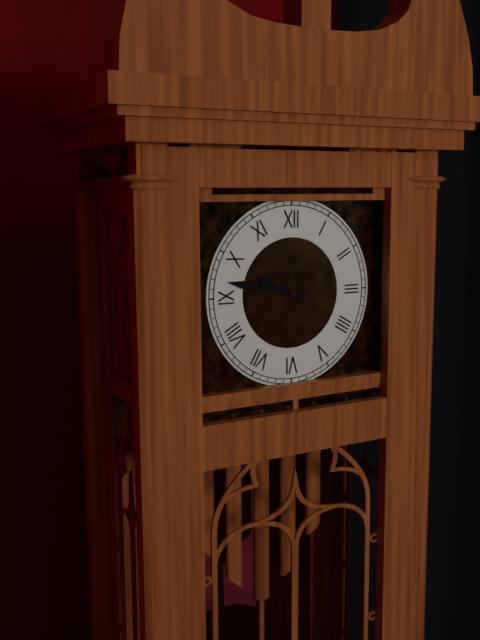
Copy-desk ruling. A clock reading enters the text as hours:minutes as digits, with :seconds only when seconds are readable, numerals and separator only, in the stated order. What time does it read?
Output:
9:47
